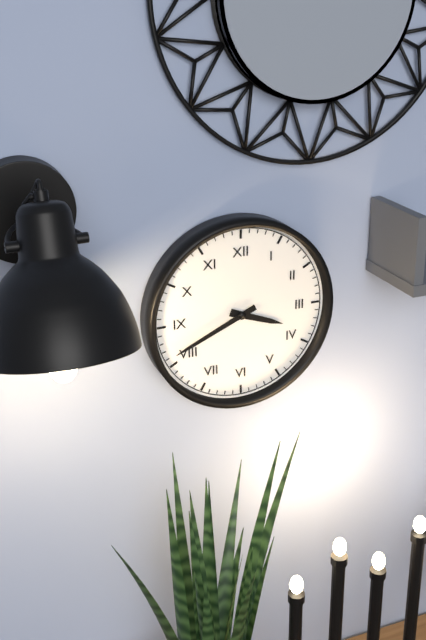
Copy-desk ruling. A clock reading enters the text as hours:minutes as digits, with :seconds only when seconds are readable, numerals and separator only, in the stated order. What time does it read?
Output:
3:41
